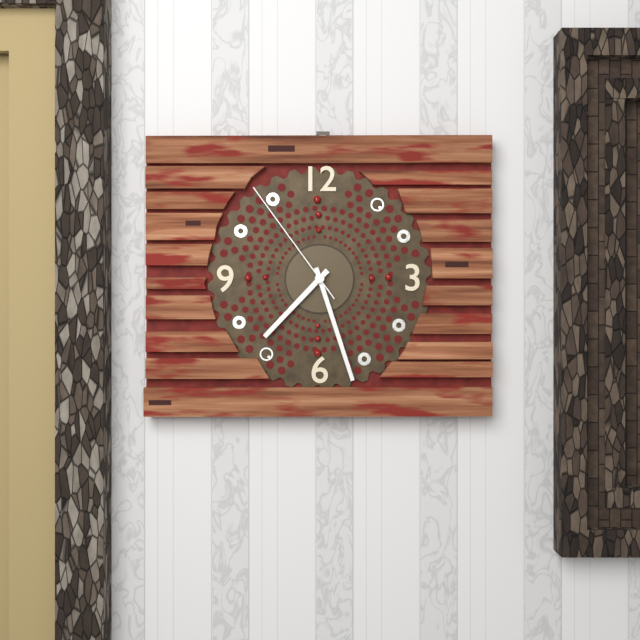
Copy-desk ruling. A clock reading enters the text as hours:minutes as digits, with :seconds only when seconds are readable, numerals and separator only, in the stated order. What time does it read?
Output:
7:27:54
